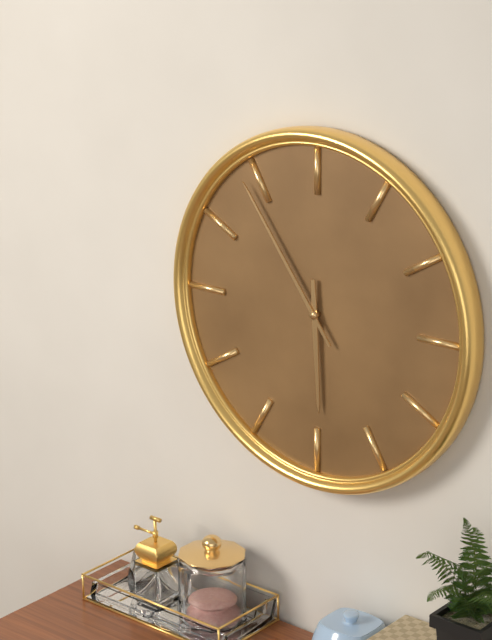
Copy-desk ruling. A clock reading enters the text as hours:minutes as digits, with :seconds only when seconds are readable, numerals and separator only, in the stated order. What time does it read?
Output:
5:54
